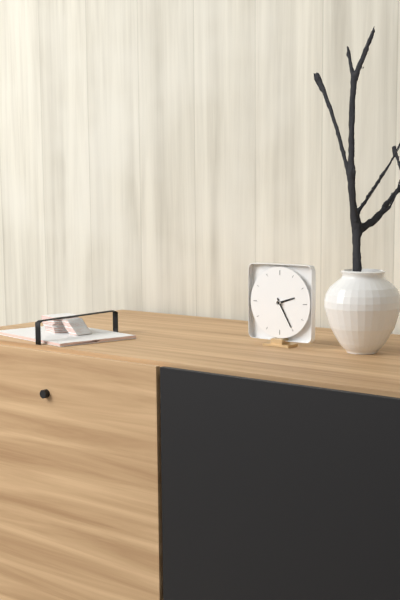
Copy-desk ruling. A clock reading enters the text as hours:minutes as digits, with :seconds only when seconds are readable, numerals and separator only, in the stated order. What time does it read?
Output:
2:25
